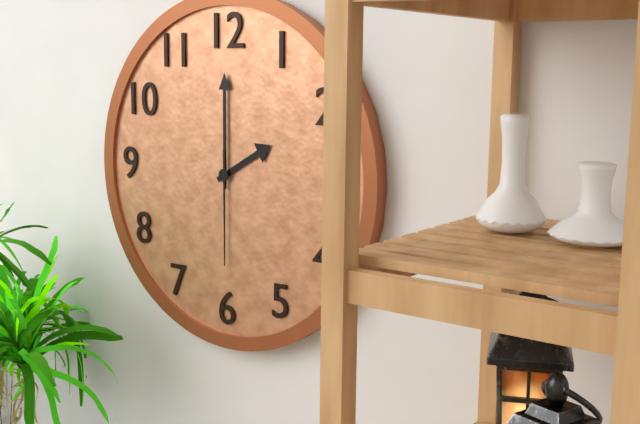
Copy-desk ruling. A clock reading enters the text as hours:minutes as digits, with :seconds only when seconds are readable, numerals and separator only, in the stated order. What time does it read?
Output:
2:00:30
